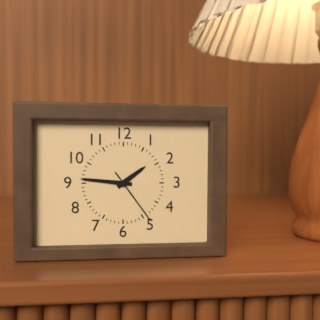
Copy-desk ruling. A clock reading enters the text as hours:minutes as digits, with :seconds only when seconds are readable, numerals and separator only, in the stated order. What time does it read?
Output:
1:46:24
